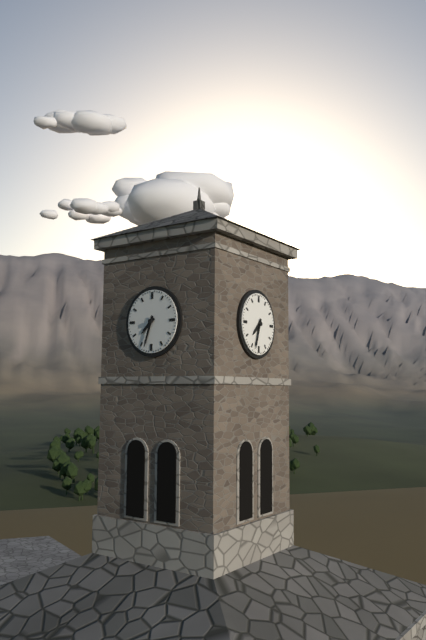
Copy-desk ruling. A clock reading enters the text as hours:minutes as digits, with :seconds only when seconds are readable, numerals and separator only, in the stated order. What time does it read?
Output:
7:33
